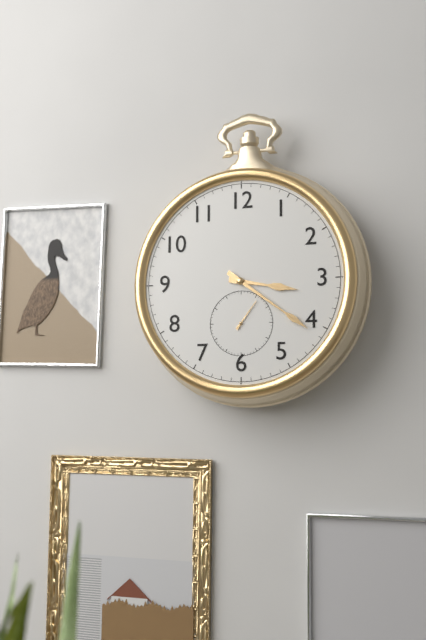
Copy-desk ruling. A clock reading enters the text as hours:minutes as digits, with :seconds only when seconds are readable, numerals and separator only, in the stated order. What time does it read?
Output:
3:21
